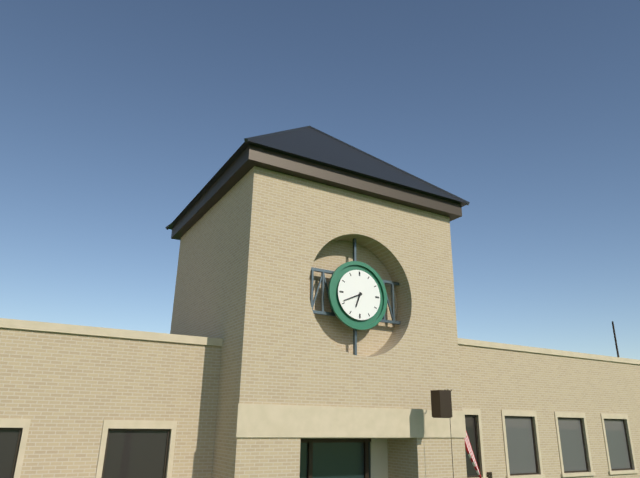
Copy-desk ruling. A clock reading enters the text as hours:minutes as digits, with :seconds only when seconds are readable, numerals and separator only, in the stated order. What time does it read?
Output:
6:41
